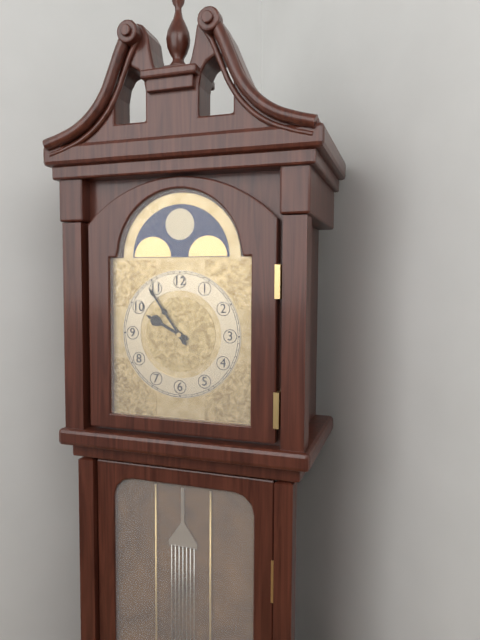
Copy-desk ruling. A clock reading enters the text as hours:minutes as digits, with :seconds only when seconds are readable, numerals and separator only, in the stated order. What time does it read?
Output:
9:54
